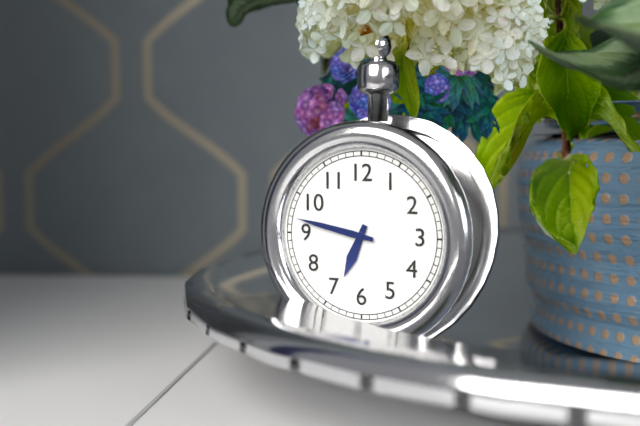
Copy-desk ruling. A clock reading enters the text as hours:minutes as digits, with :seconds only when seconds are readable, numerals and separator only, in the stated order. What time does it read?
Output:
6:47
